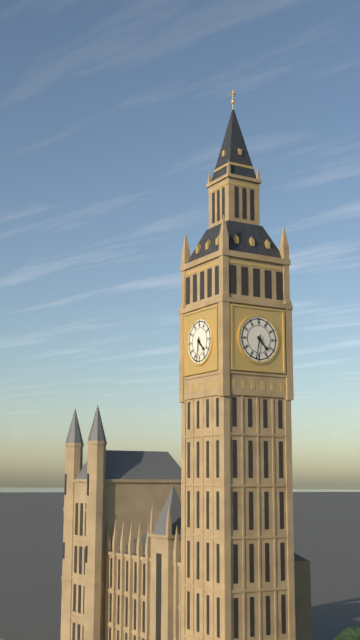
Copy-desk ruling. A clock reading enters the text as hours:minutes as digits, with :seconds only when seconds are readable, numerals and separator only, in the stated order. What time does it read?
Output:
4:32
